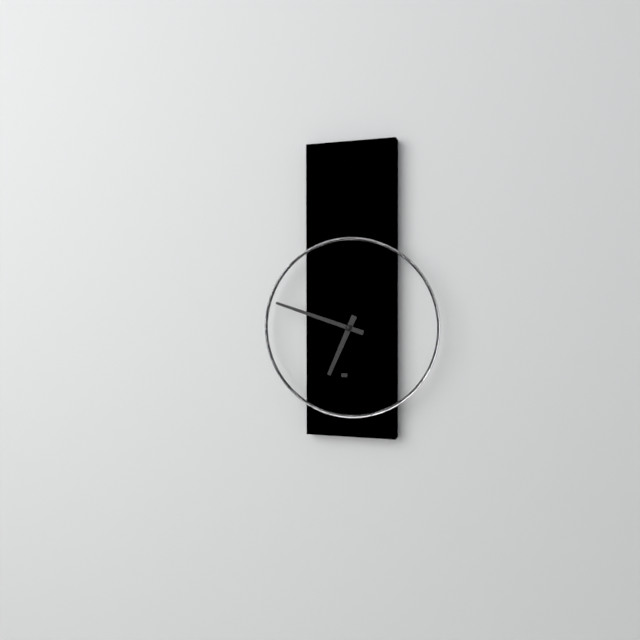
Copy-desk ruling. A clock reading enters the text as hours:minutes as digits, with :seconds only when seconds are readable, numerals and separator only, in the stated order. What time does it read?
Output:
6:48
